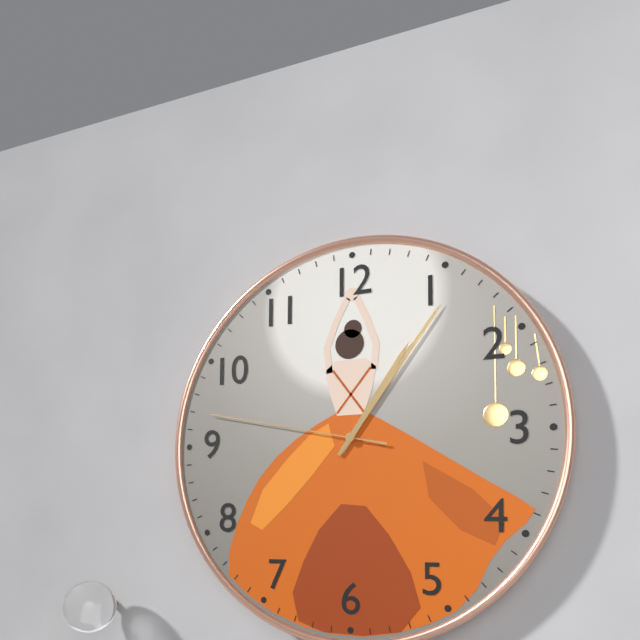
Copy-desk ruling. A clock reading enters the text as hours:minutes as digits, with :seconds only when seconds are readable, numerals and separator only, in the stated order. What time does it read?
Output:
1:06:47
